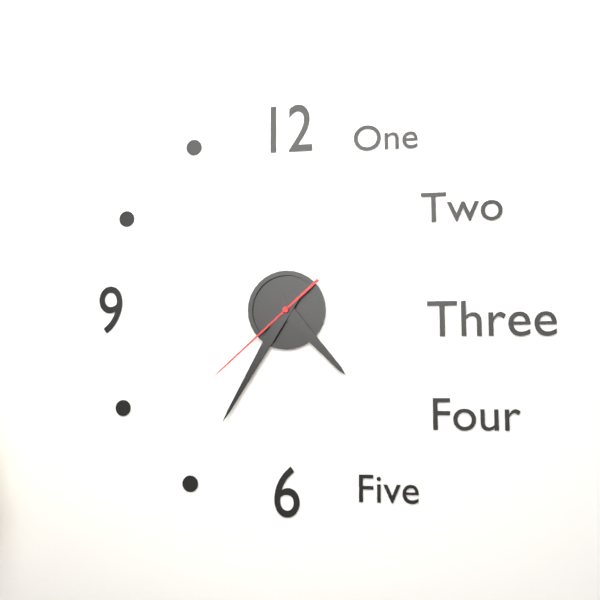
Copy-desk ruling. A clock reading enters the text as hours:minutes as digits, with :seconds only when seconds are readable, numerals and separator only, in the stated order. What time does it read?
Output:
4:35:38
